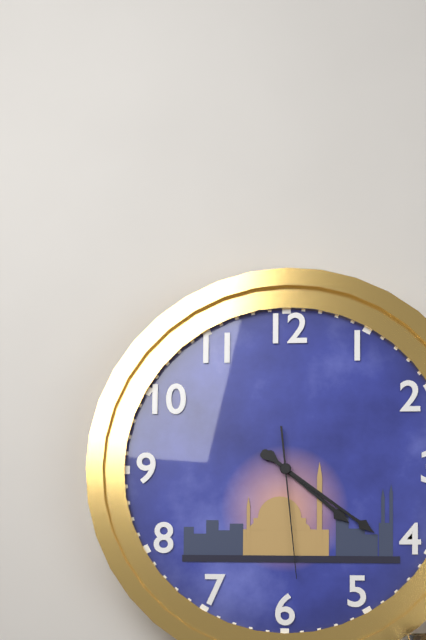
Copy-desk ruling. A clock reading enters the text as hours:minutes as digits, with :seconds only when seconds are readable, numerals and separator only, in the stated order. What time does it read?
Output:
4:21:29
